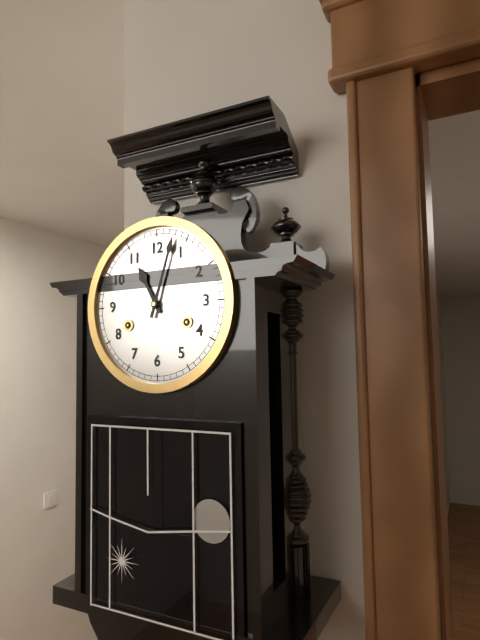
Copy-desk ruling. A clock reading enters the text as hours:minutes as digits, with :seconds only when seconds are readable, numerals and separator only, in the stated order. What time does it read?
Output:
11:03
